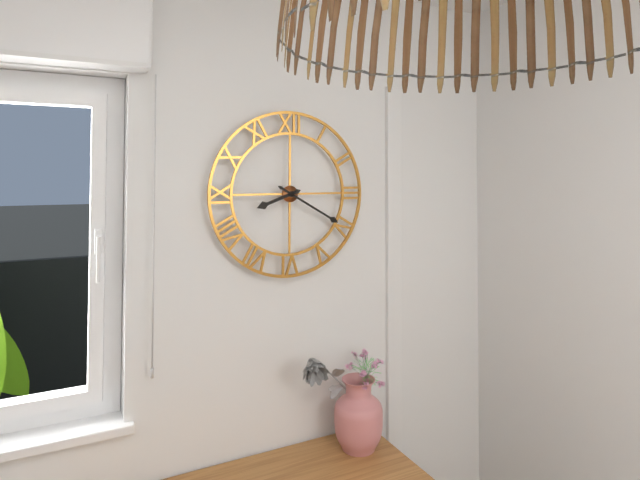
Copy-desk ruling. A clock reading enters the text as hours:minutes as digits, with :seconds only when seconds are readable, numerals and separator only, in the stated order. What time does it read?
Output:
8:20
